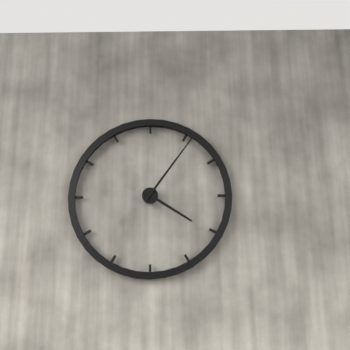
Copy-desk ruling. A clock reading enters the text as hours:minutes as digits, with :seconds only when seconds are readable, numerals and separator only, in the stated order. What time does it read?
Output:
4:06
